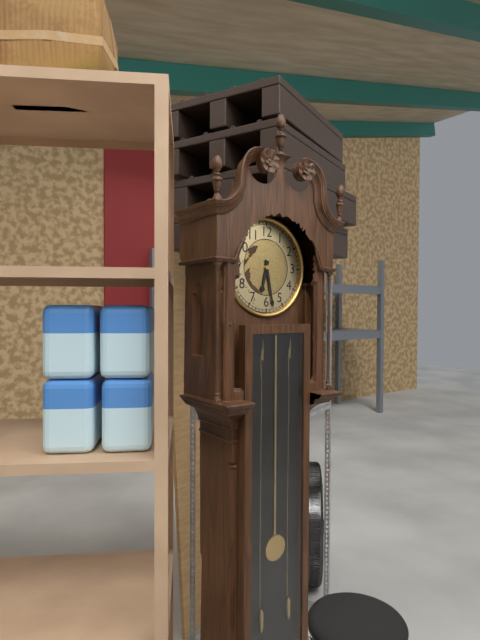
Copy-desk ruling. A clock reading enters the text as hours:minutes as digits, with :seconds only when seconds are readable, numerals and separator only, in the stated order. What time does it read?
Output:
6:28
